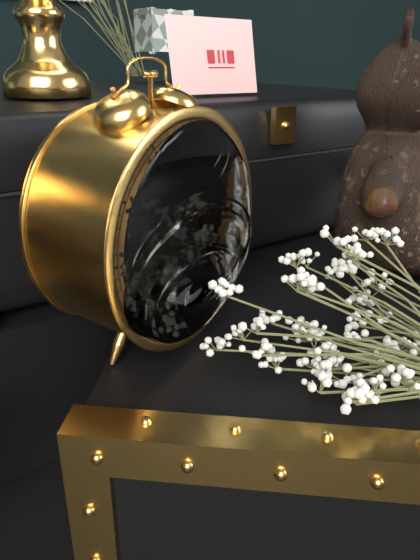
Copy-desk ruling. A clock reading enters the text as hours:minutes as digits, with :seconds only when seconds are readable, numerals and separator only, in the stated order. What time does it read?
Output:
7:28
